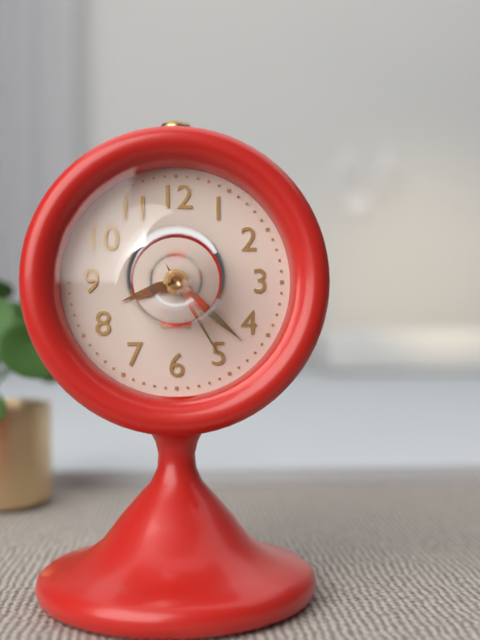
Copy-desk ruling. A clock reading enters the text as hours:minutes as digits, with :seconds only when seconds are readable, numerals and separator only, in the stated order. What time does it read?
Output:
8:22:25
